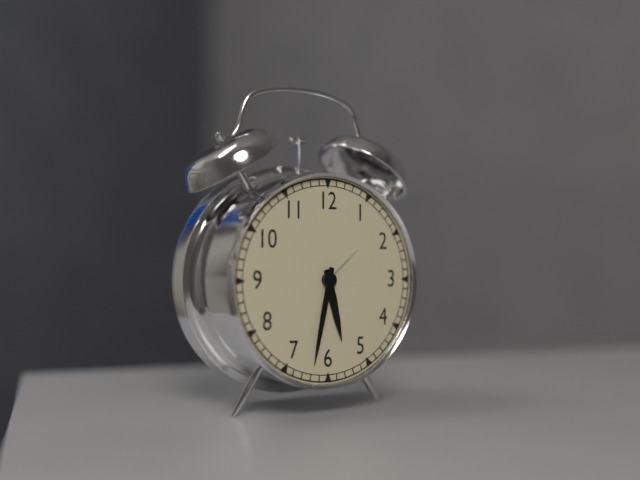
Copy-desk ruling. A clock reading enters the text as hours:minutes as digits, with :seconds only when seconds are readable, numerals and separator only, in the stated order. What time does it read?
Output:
5:32
